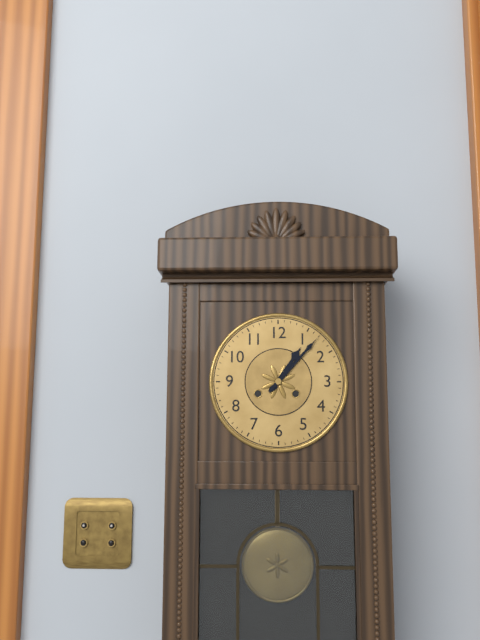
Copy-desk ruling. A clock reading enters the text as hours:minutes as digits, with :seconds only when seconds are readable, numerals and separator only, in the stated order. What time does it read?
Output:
1:07
